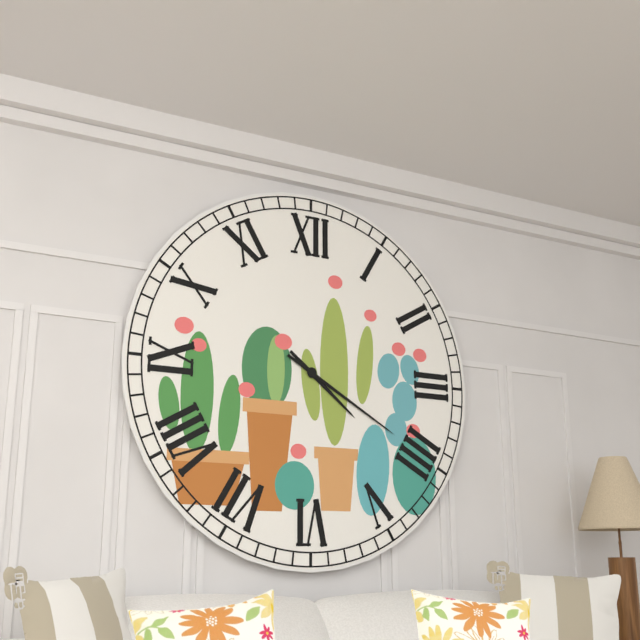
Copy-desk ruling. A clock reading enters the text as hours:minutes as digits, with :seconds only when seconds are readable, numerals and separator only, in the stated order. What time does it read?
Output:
4:20
